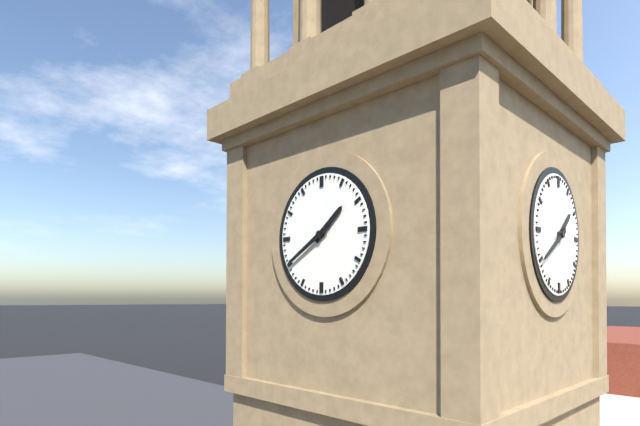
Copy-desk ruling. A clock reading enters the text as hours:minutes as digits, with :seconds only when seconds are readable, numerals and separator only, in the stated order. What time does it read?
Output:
1:40
